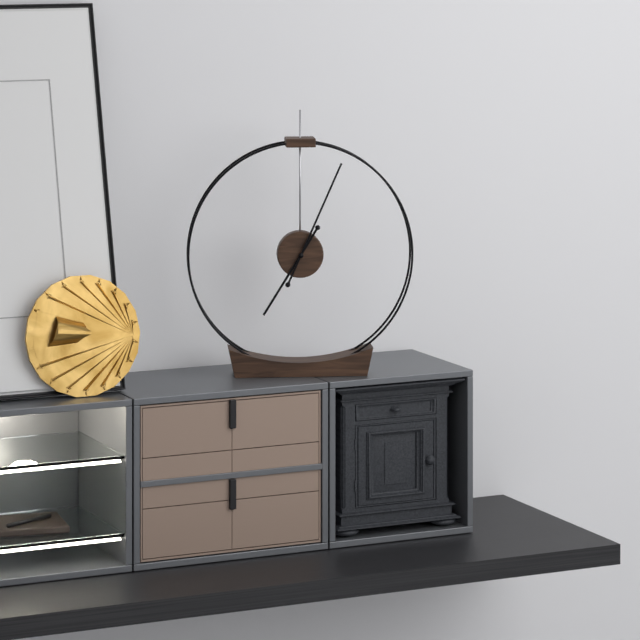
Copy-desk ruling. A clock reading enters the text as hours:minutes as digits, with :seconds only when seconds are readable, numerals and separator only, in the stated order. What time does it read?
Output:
7:04
